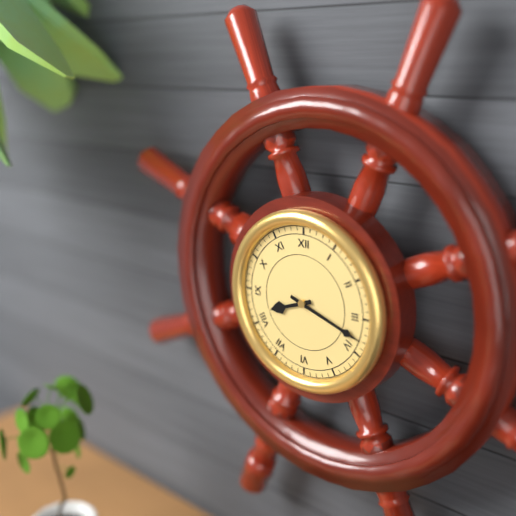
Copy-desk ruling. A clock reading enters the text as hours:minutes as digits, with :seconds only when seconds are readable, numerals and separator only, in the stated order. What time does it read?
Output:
8:18
